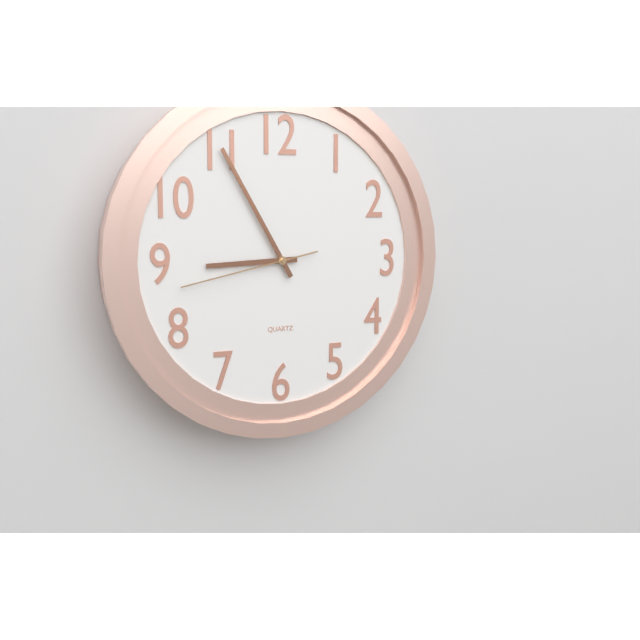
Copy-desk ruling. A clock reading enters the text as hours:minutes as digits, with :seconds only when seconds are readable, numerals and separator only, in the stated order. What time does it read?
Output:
8:55:43
